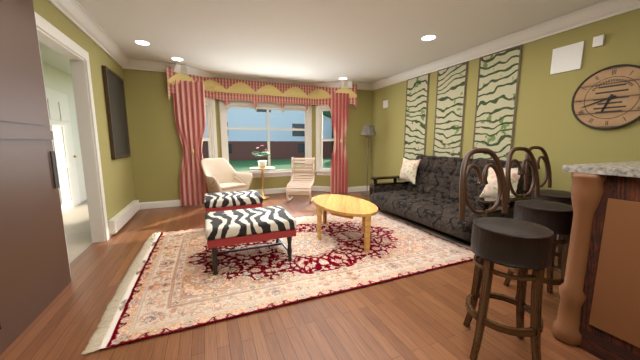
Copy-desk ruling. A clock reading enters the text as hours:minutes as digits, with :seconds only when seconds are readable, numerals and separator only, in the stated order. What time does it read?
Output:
6:42
